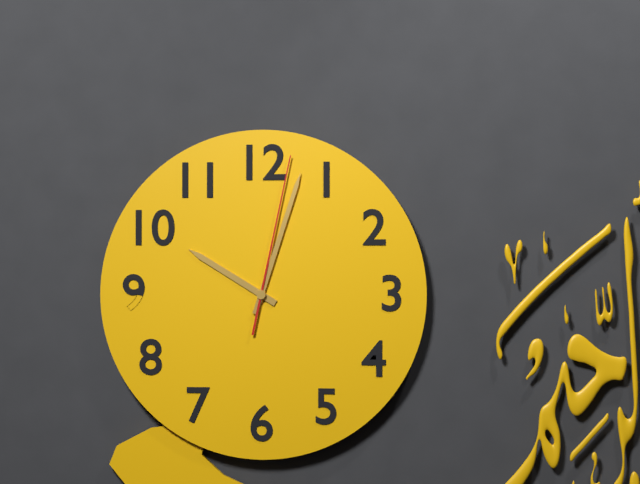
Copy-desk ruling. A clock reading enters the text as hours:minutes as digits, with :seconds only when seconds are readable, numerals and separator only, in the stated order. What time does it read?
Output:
10:03:02
